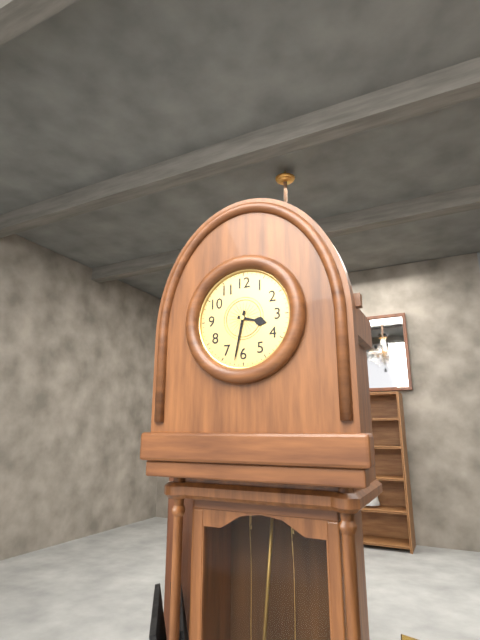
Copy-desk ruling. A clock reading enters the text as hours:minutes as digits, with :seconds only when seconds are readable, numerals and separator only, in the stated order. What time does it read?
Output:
3:32
